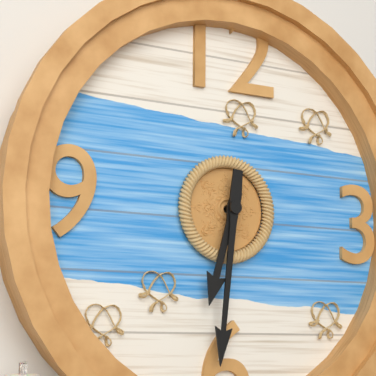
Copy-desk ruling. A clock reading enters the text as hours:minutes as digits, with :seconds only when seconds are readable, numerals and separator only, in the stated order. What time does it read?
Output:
6:31
